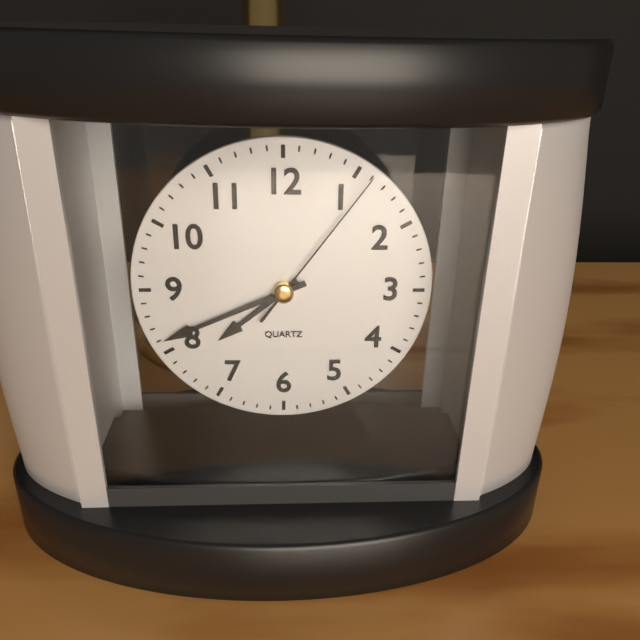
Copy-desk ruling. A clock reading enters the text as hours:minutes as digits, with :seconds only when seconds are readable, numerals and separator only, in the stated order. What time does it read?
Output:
7:41:06
